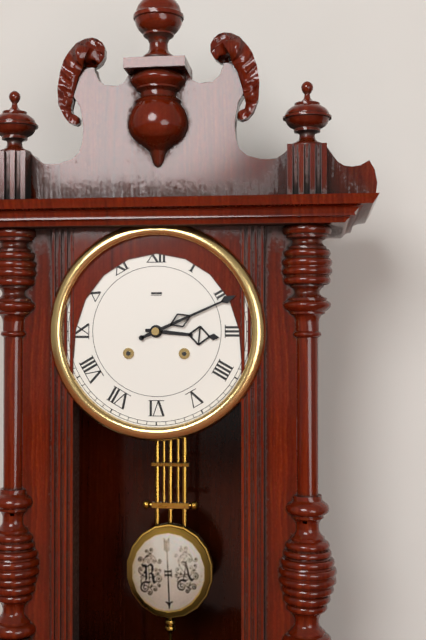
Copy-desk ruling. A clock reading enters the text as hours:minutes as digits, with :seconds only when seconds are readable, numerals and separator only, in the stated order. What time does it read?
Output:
3:11
